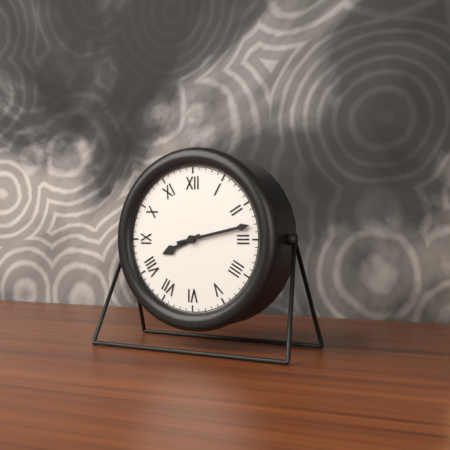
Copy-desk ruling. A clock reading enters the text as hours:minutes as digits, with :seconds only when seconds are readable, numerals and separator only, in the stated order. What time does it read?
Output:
8:13
